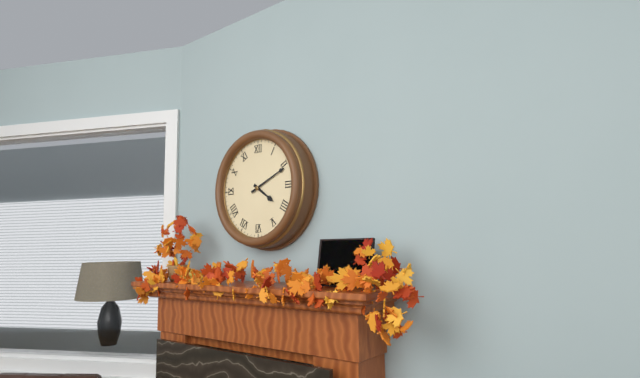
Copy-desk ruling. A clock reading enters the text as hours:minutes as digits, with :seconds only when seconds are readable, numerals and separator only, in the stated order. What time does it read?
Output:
4:11
